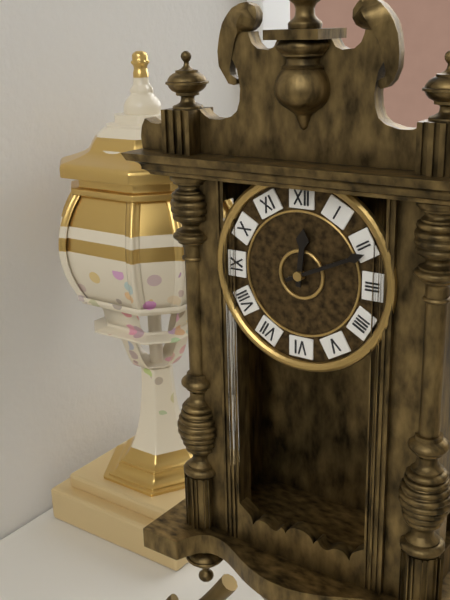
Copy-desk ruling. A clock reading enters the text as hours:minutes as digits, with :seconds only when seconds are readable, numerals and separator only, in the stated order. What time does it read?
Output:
12:11
